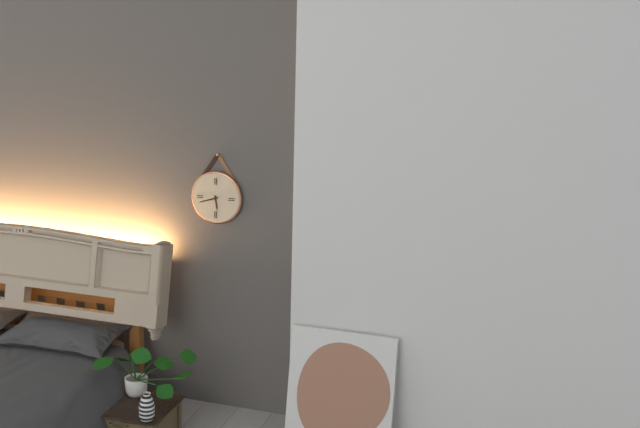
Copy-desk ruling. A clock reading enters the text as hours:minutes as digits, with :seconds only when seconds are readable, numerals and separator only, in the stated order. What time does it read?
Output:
5:42
